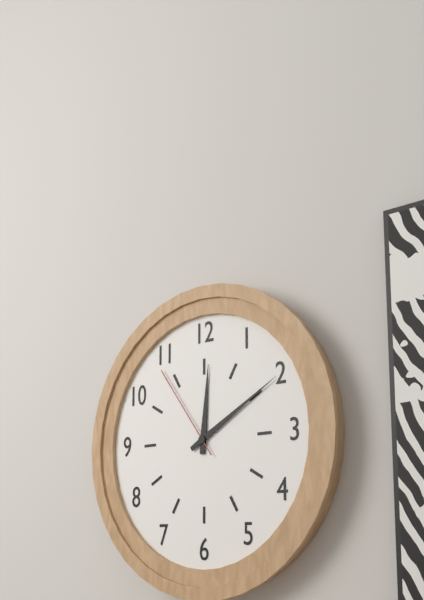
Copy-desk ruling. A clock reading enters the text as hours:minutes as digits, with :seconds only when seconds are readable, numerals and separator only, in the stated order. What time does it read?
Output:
12:10:54
